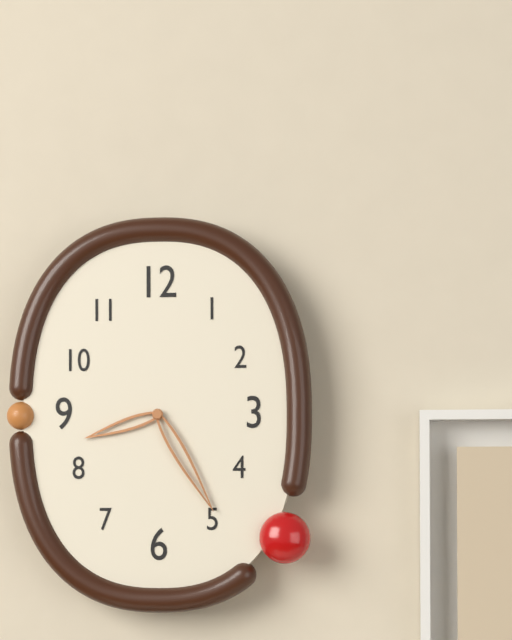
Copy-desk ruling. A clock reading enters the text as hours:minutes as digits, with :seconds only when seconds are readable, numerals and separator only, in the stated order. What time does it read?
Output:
8:25
